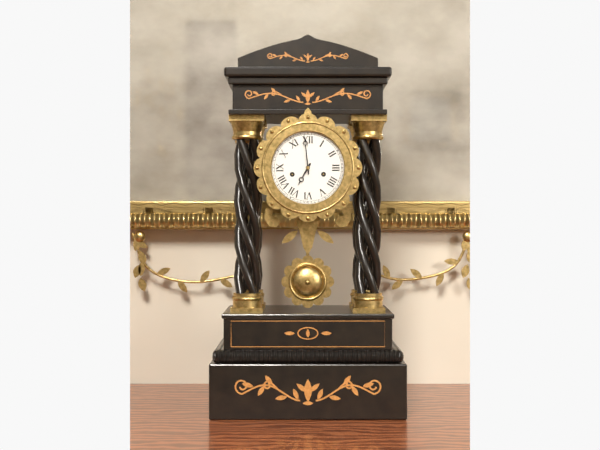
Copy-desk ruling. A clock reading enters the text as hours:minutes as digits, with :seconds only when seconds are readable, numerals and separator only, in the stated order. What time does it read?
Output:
6:59
